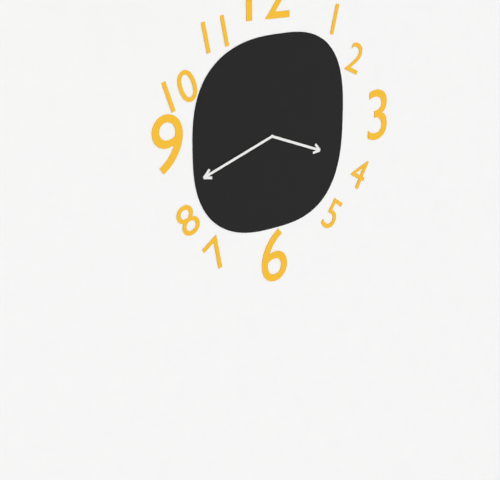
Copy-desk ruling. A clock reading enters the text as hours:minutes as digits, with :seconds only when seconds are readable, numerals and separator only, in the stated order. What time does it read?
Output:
3:42
